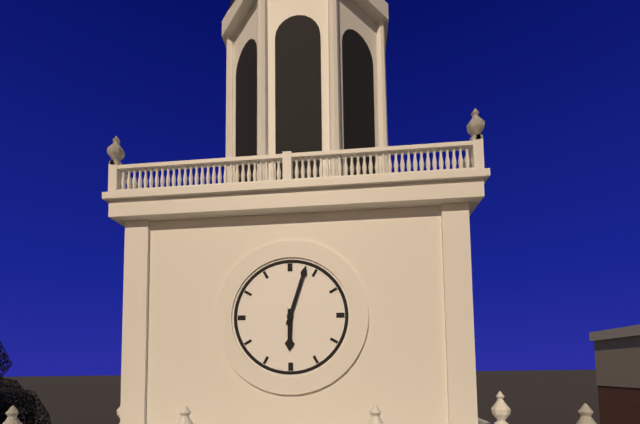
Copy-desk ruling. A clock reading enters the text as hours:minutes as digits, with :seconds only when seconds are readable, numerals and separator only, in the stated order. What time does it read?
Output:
6:03
